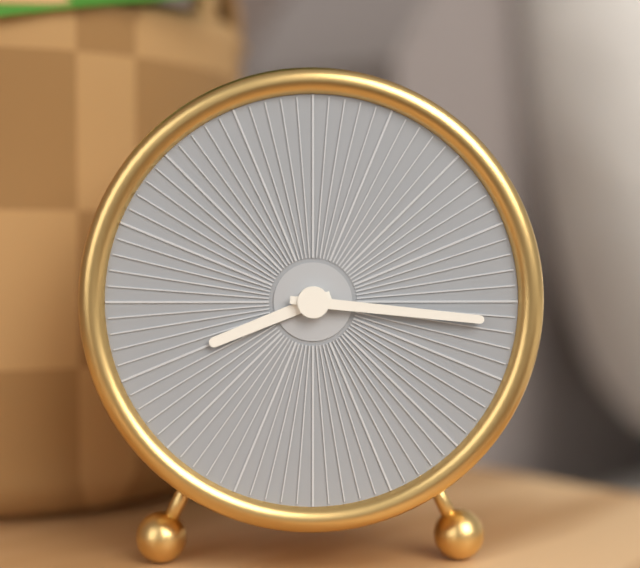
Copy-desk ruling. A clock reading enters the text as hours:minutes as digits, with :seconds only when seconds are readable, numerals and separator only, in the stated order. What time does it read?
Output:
8:16
